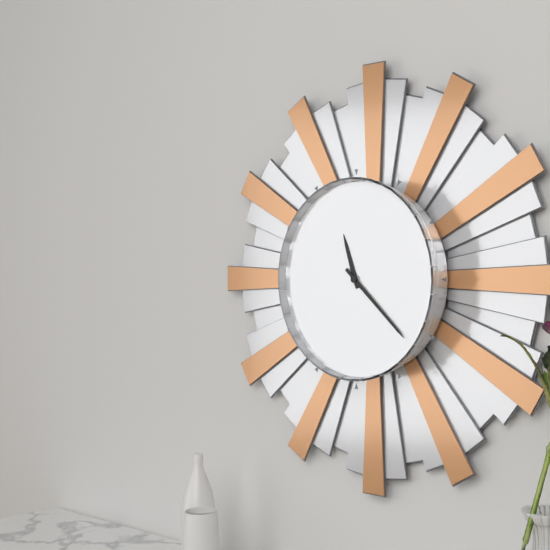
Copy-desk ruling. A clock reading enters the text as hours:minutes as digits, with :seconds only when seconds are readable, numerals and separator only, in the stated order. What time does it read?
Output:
11:22
